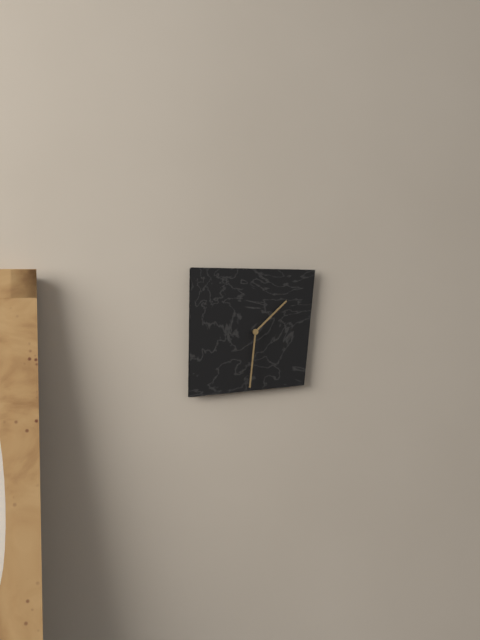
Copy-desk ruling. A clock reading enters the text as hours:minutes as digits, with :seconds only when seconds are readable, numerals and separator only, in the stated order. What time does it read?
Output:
1:31
